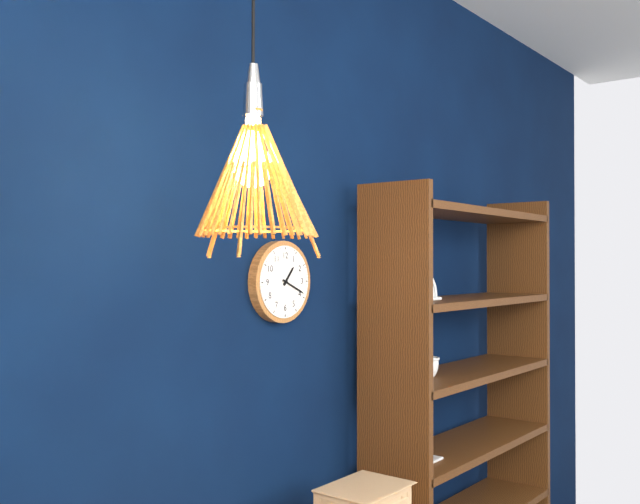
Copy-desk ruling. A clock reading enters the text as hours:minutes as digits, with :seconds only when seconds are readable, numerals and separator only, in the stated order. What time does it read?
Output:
1:19
